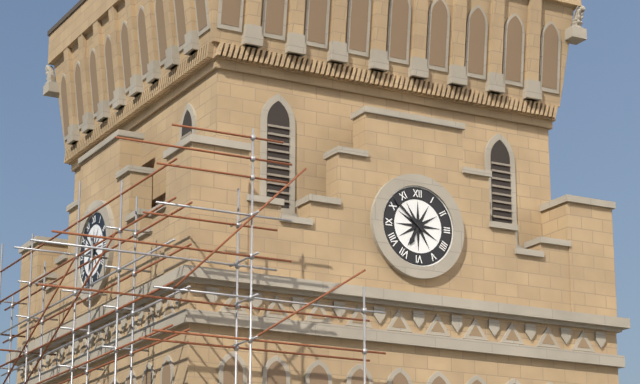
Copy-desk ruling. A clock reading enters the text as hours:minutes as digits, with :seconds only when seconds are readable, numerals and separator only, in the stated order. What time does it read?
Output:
6:52
